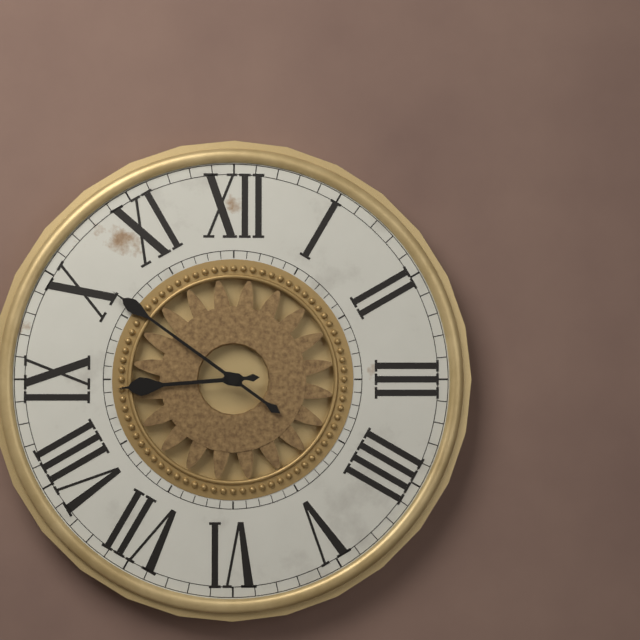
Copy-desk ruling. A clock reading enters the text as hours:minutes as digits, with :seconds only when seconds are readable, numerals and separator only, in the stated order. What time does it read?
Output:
8:51
